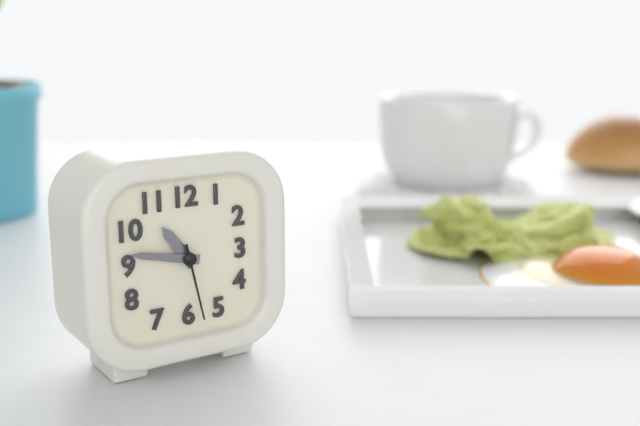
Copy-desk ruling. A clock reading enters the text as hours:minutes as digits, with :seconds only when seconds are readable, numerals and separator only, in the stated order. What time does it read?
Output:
10:47:28
